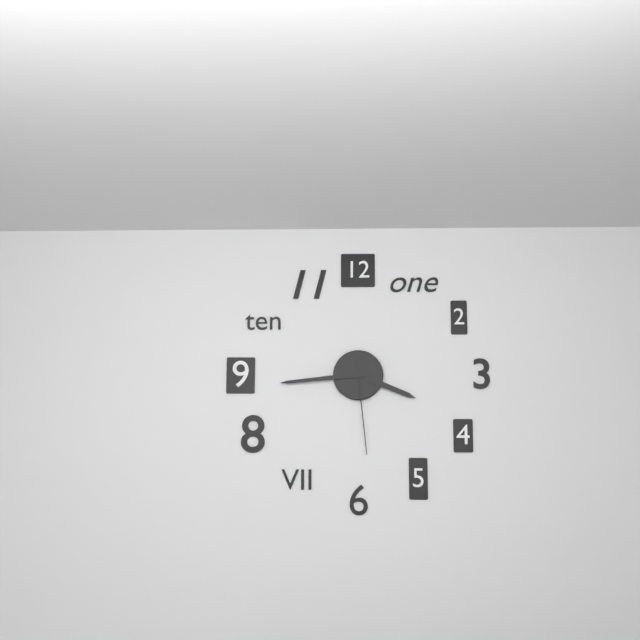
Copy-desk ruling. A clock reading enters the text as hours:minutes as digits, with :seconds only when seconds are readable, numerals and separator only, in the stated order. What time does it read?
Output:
3:44:29
